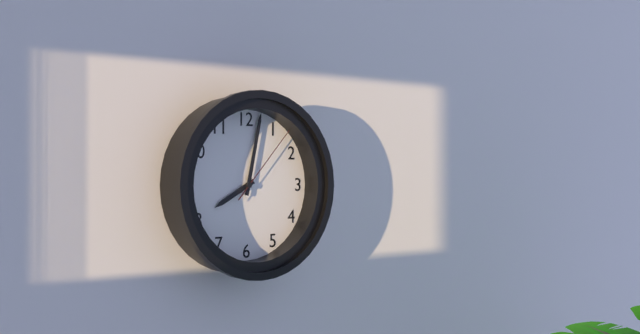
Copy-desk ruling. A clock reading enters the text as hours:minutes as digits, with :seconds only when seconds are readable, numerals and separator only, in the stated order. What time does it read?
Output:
8:02:07
